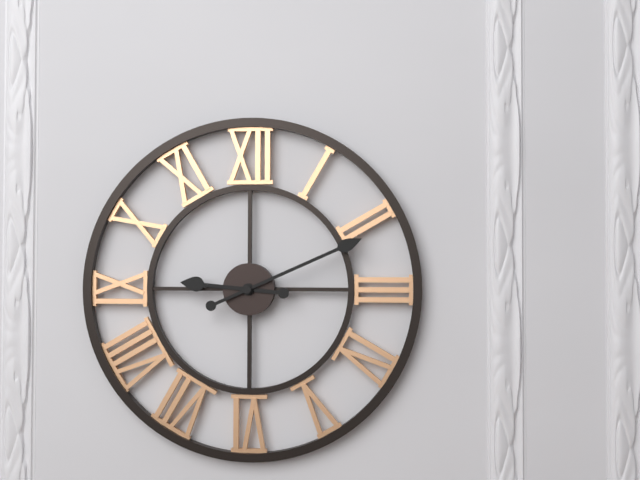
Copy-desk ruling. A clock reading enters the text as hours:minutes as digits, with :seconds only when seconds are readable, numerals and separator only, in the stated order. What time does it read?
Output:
9:11
